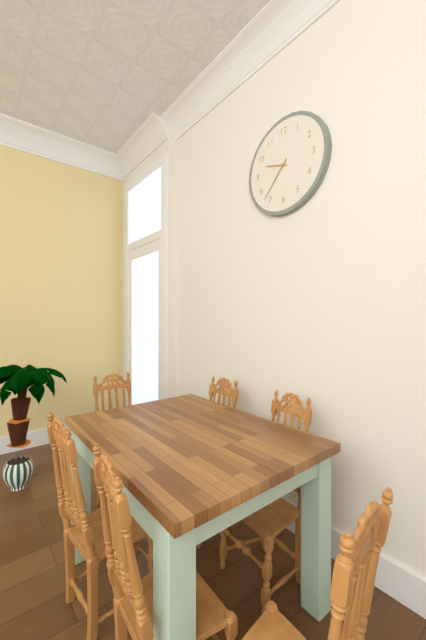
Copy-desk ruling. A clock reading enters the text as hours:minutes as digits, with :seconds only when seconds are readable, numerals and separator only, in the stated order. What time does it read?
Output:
9:37
